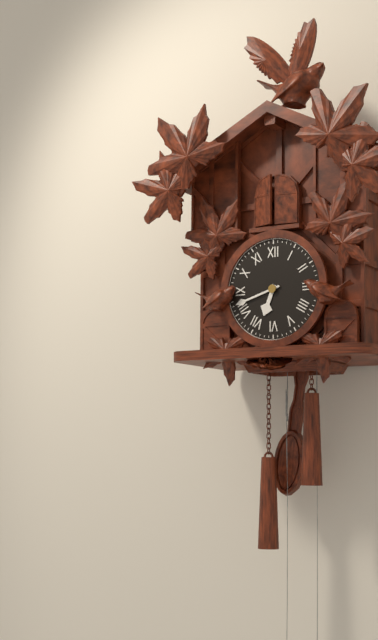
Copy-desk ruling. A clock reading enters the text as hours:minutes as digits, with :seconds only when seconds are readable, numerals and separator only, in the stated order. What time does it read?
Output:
6:42
